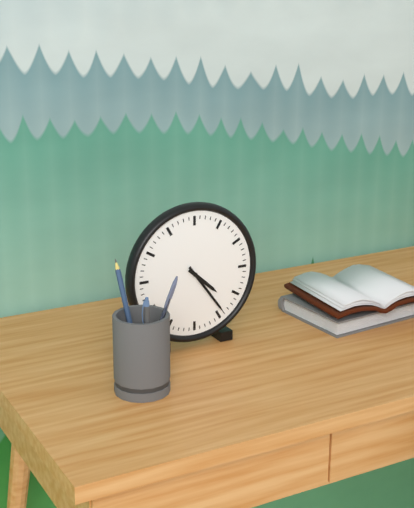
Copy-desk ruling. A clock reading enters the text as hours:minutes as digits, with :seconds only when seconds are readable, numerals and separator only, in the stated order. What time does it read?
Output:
4:24
